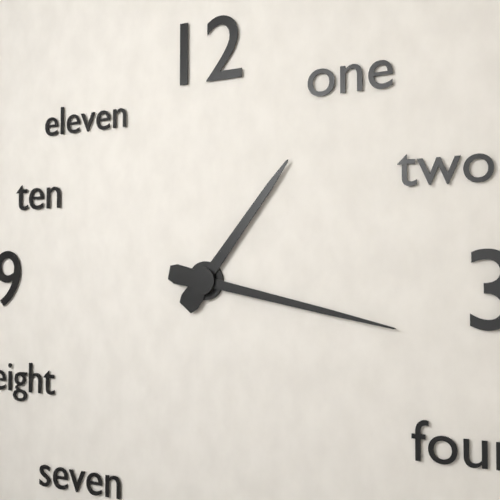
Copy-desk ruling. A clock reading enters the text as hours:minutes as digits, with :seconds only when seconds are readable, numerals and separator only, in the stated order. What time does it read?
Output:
1:17
